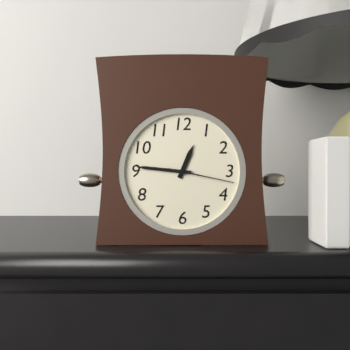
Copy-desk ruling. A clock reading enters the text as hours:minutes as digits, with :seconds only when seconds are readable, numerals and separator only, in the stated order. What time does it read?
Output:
12:46:17
